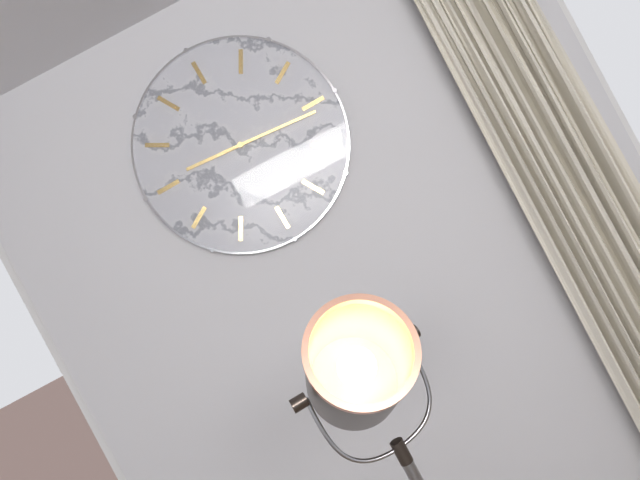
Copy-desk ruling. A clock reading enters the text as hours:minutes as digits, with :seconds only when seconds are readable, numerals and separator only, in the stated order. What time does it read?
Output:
8:11
